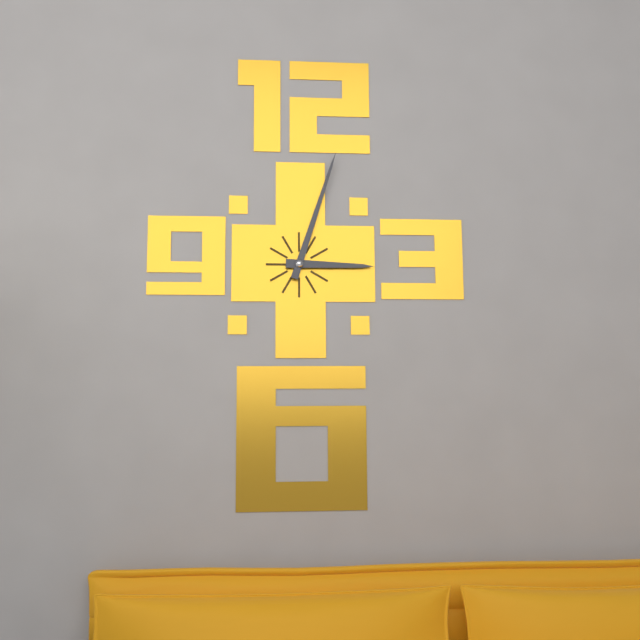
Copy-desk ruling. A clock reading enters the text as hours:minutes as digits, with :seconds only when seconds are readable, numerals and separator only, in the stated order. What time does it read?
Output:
3:03
